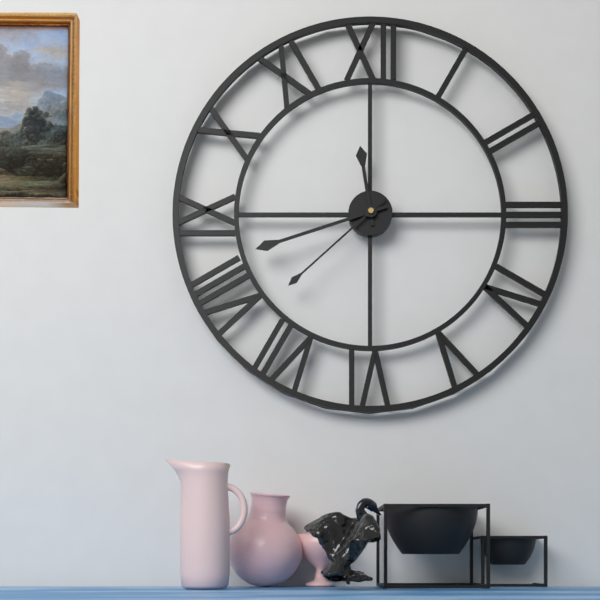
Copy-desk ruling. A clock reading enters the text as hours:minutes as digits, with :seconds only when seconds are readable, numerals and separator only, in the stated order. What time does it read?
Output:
11:42:38
